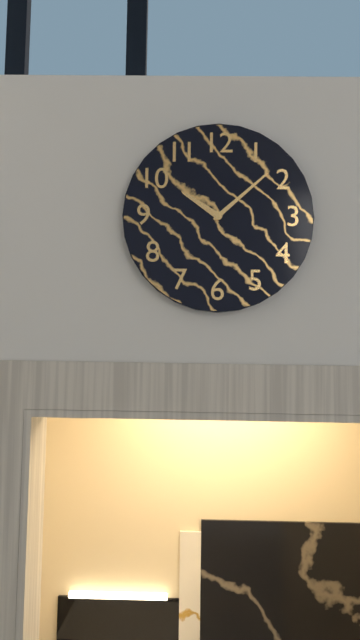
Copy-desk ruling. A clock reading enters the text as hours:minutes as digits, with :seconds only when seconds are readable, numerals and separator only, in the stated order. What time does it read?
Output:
10:08
